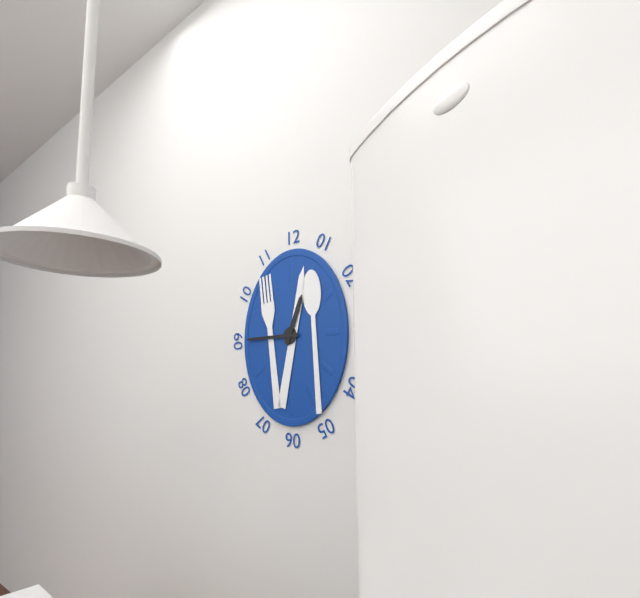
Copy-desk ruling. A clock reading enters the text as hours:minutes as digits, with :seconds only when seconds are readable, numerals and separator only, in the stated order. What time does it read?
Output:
12:45
